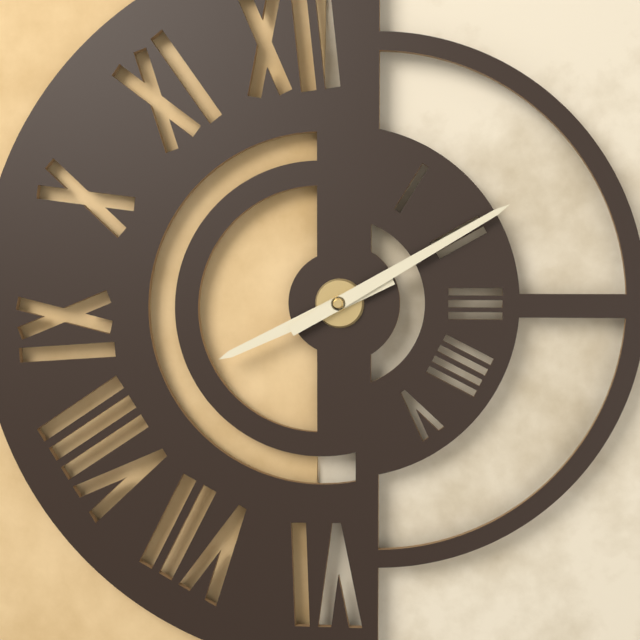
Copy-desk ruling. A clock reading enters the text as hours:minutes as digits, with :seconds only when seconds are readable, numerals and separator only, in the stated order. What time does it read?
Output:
8:10
